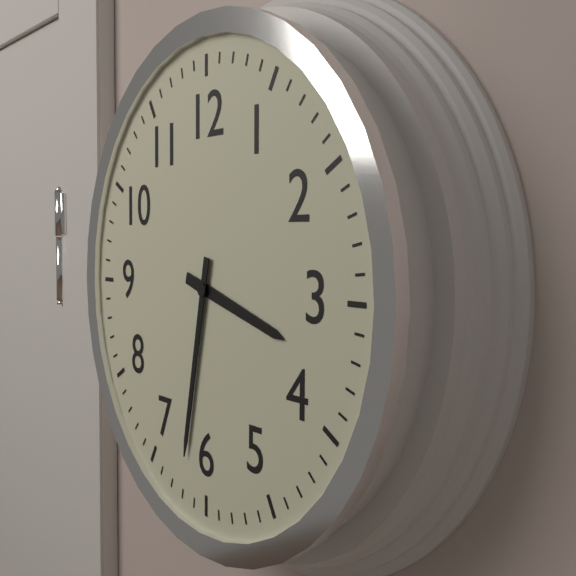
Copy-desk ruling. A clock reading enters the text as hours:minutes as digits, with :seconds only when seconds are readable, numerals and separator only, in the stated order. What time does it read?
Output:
3:32
